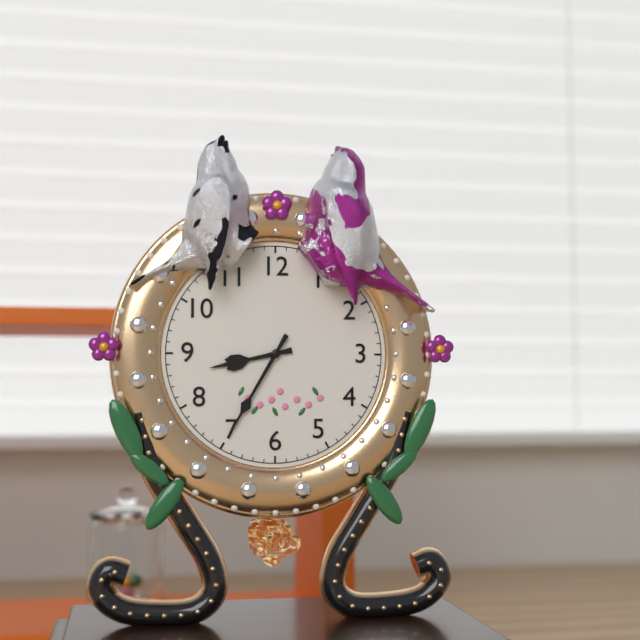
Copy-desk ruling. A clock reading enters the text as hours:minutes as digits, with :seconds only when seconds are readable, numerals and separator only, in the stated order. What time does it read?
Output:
8:35
